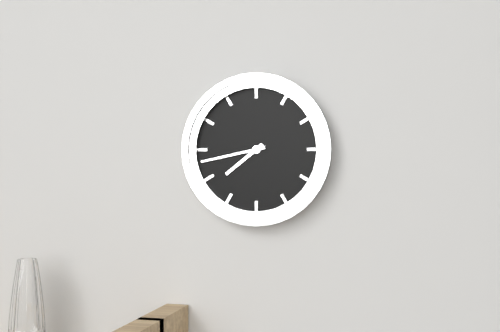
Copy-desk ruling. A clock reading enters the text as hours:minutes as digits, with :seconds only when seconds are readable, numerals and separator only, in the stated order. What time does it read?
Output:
7:43
